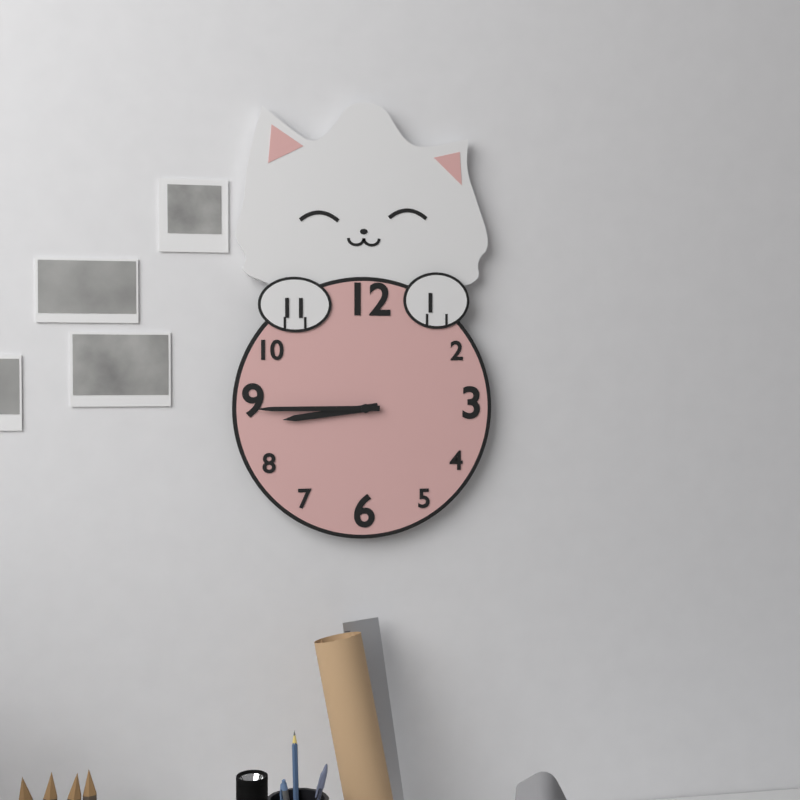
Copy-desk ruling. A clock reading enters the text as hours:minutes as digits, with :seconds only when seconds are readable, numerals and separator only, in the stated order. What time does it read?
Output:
8:45
